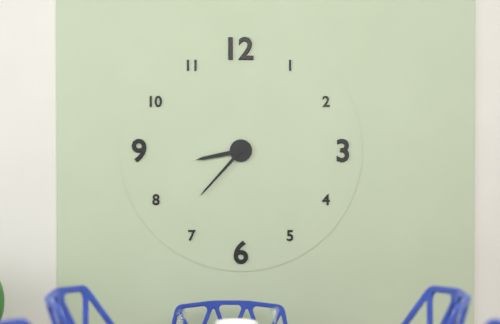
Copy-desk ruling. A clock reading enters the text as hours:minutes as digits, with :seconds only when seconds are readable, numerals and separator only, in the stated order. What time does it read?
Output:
8:37
